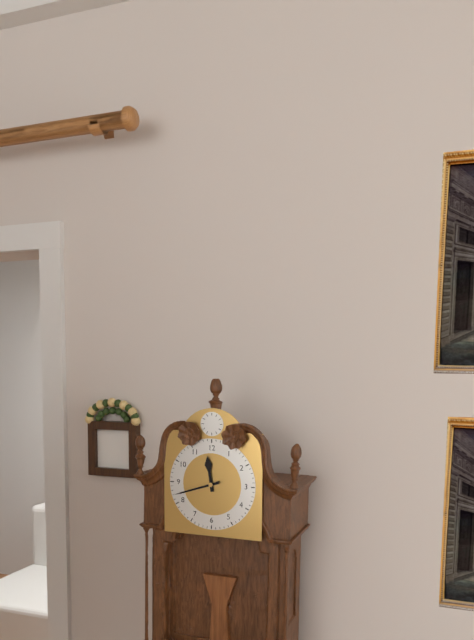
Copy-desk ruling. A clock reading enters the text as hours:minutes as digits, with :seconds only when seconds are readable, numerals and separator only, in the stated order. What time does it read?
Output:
11:42
